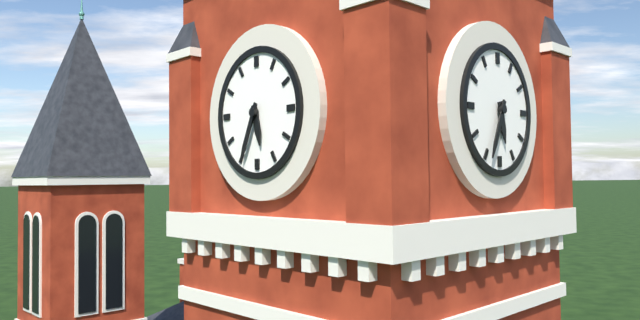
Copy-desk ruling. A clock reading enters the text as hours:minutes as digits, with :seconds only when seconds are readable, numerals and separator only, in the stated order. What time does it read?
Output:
5:34
